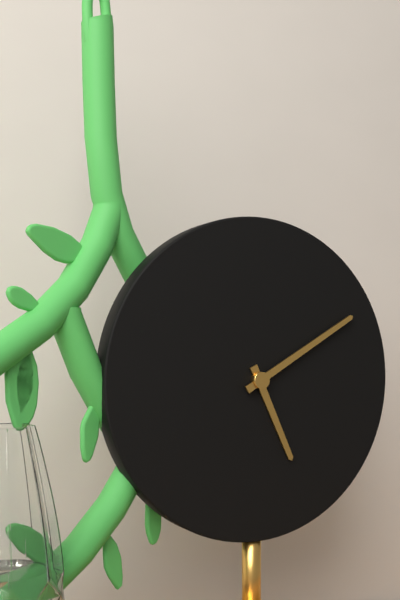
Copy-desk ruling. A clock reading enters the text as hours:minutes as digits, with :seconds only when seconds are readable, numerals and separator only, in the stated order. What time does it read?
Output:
5:10
